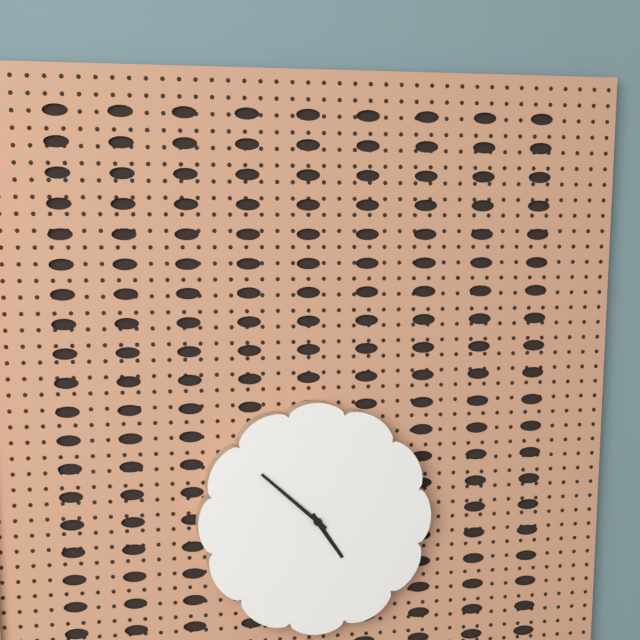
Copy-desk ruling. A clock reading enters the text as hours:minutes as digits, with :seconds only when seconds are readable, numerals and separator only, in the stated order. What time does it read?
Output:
4:52
